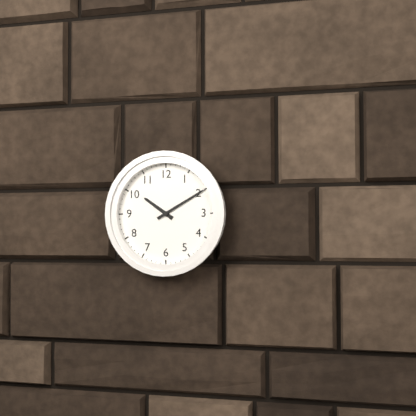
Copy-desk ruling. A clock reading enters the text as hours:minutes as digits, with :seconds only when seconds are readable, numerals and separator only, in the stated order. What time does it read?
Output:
10:10
